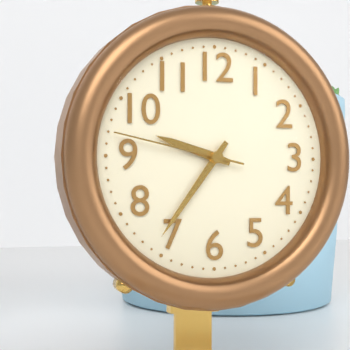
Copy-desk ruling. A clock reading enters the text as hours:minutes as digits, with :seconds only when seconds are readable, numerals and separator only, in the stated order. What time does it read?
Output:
9:36:47
